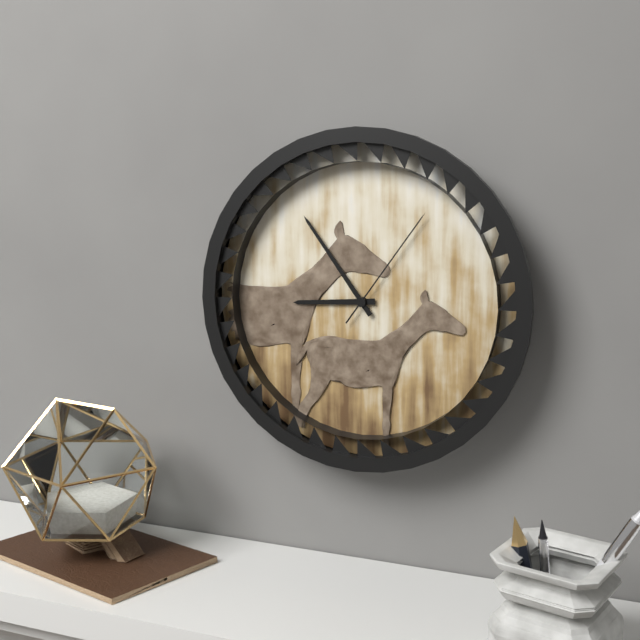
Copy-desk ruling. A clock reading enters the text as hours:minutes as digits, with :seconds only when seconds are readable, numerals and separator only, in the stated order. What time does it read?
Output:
8:54:06
